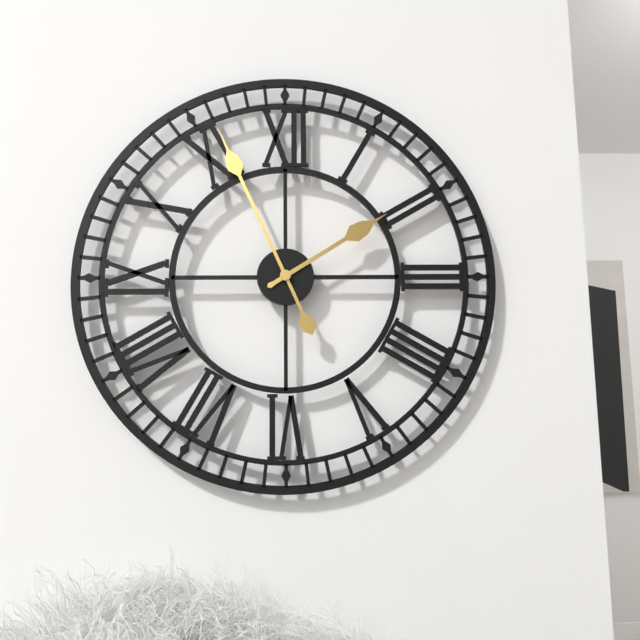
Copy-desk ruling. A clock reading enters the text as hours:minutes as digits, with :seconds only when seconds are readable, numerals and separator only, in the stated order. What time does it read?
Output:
1:56
